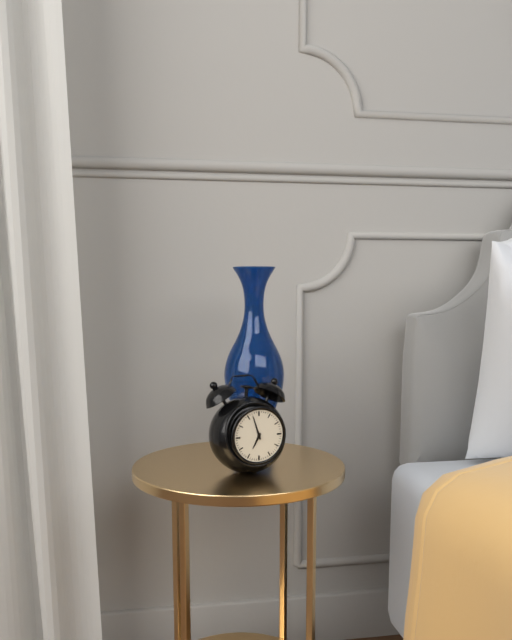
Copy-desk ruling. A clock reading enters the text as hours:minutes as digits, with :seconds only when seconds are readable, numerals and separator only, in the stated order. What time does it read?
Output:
6:57
